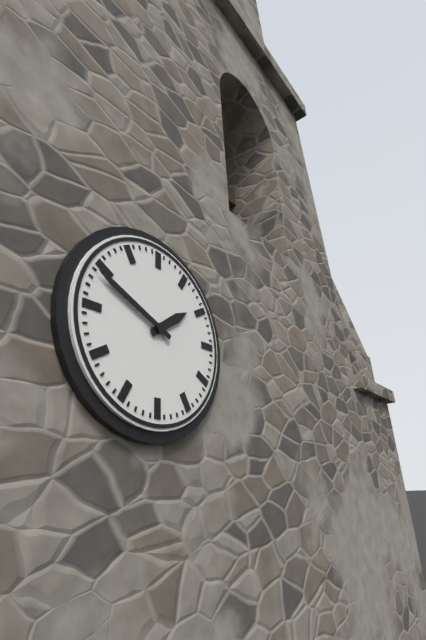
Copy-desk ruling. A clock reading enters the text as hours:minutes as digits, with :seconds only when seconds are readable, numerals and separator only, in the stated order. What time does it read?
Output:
1:49
